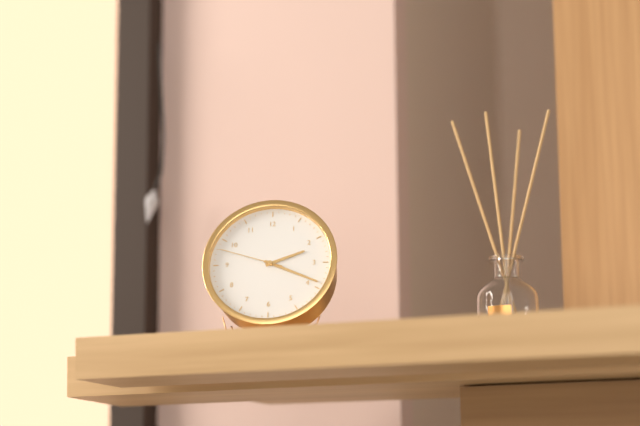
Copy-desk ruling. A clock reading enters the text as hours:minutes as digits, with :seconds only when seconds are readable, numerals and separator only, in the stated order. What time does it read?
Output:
2:19:48
